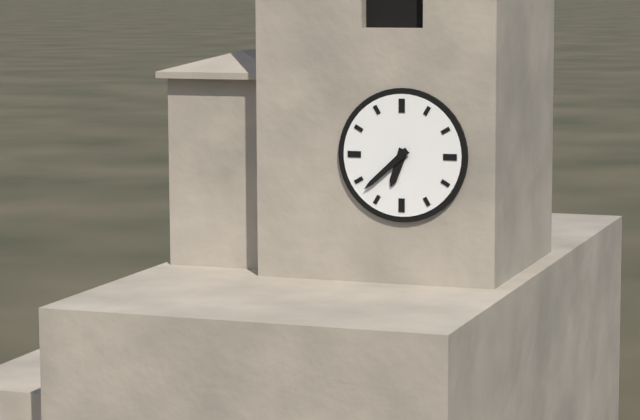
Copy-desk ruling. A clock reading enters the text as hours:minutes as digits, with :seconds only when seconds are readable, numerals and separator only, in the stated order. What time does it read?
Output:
6:38
